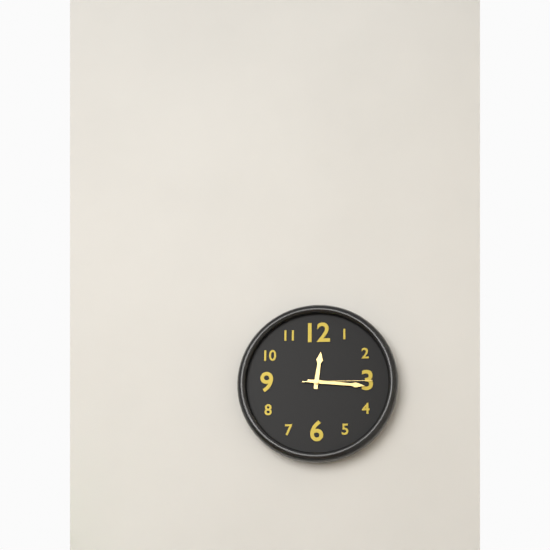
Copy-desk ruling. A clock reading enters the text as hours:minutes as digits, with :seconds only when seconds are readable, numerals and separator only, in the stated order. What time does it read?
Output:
12:16:15
